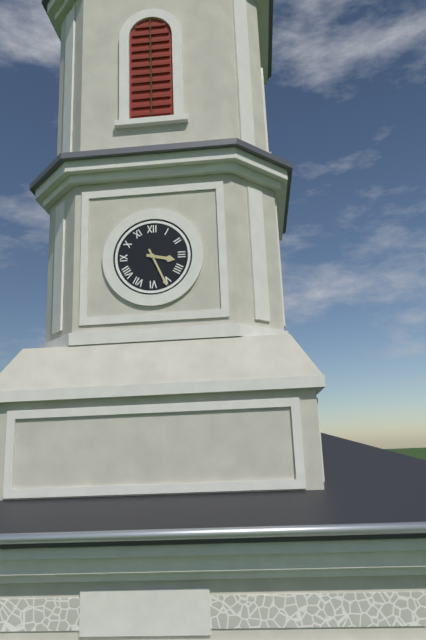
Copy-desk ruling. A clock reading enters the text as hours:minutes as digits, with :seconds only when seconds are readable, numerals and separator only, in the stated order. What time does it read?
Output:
3:26
